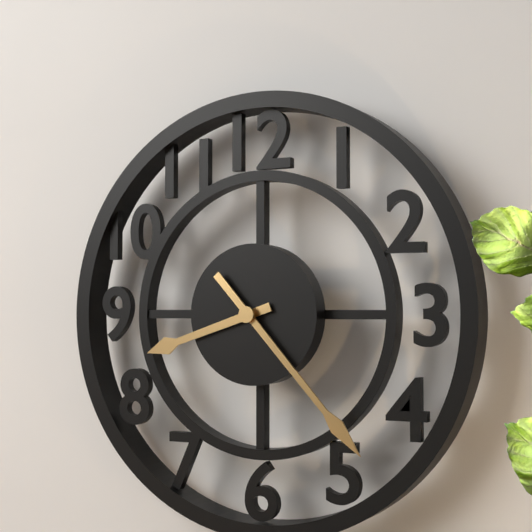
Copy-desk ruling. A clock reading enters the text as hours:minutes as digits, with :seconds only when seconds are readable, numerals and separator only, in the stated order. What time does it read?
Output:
8:23
